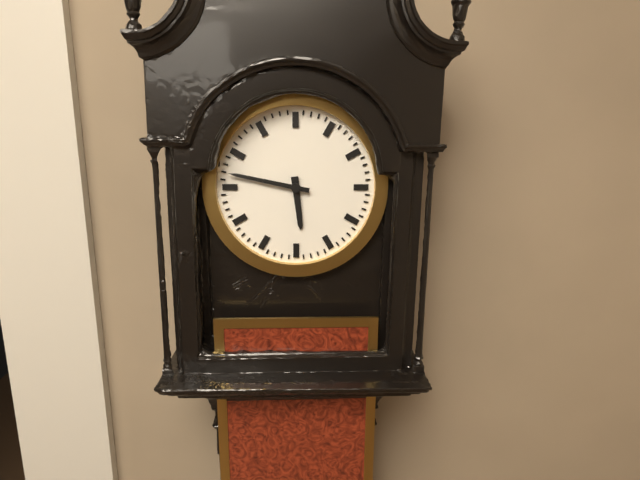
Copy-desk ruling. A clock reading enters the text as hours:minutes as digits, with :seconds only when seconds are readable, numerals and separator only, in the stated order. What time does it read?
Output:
5:47
